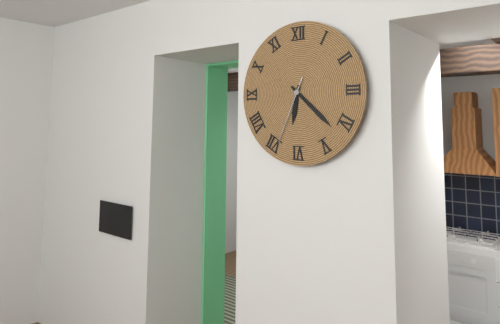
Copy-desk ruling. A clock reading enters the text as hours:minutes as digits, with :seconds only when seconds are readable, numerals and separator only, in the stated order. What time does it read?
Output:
6:22:34
